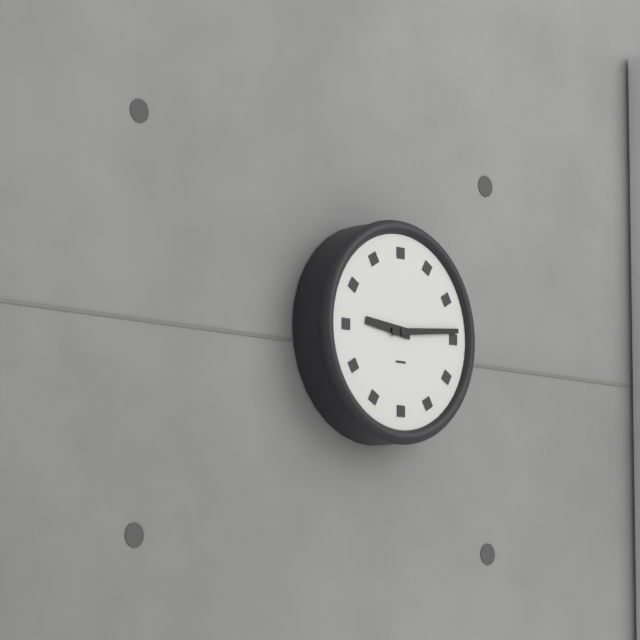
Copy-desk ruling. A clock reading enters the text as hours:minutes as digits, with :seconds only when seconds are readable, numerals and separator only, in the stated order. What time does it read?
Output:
9:14
